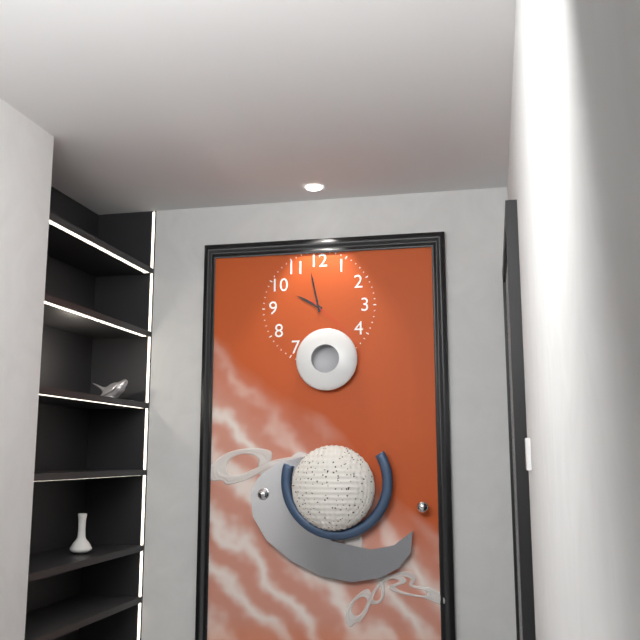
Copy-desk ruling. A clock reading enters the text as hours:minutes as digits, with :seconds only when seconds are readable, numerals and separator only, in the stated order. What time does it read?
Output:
9:58:22
